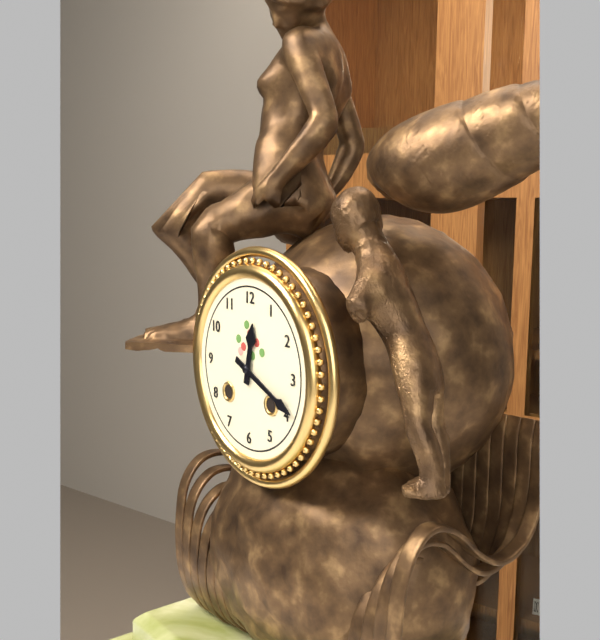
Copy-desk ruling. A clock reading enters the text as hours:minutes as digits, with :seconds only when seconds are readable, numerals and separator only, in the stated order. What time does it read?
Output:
12:19
